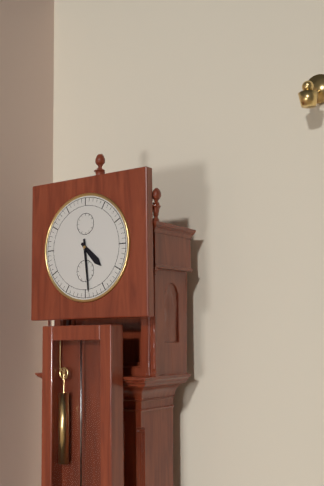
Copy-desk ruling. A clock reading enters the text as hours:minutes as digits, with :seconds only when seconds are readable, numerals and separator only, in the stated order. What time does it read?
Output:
4:29
